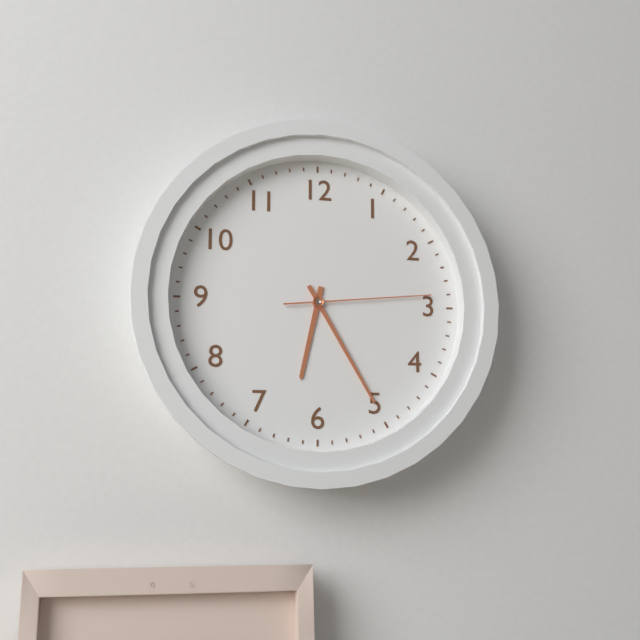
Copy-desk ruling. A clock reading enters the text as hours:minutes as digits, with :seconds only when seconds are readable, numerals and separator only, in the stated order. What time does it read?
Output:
6:25:14
